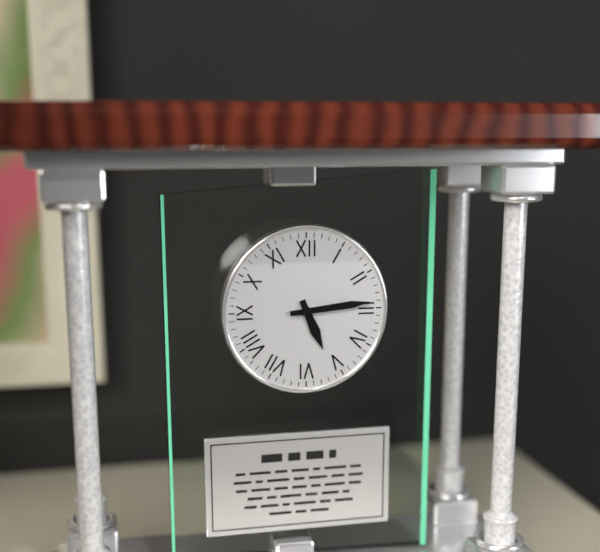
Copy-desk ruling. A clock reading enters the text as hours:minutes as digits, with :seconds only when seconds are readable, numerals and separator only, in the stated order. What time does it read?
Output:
5:14
